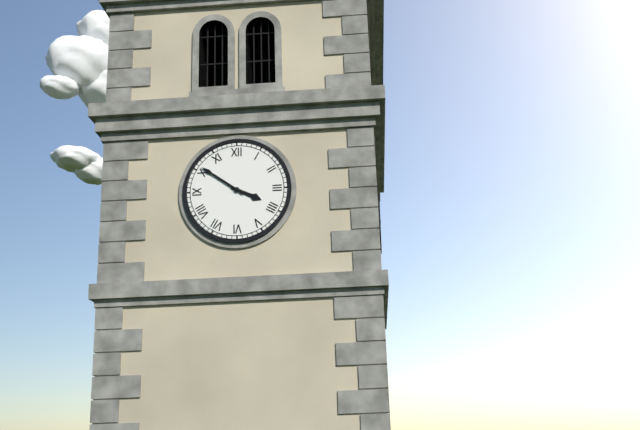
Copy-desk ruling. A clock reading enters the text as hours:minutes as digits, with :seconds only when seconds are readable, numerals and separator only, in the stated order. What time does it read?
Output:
3:51
